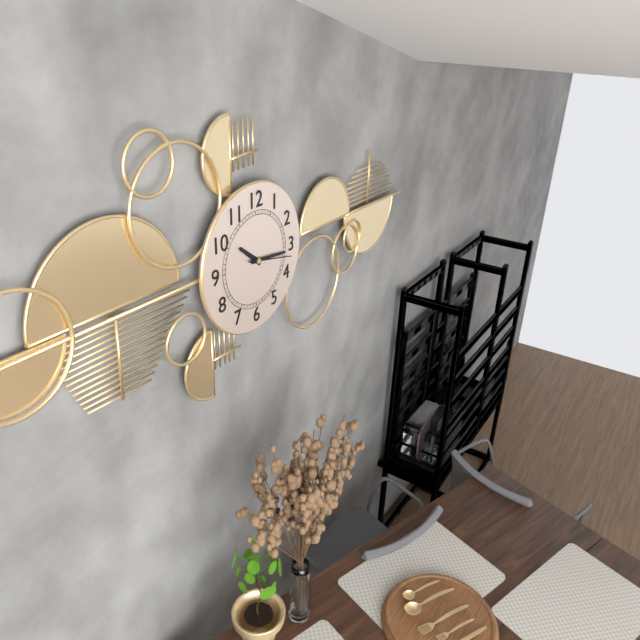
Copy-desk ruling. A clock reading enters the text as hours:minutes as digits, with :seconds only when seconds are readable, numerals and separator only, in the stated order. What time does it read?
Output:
10:16
